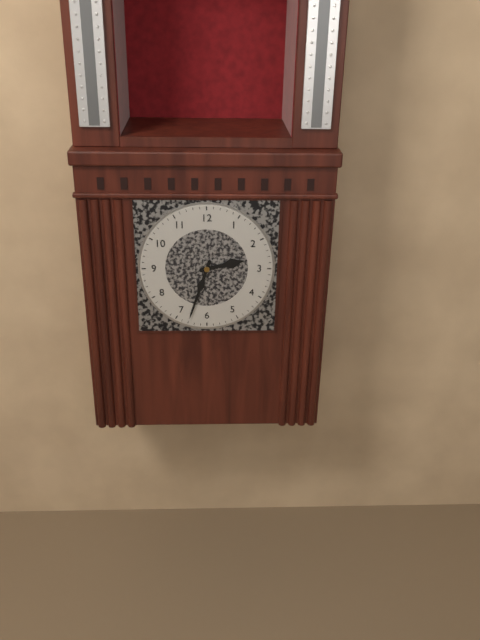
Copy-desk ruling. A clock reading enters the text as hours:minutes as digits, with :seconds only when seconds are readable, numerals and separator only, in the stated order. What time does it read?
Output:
2:33
